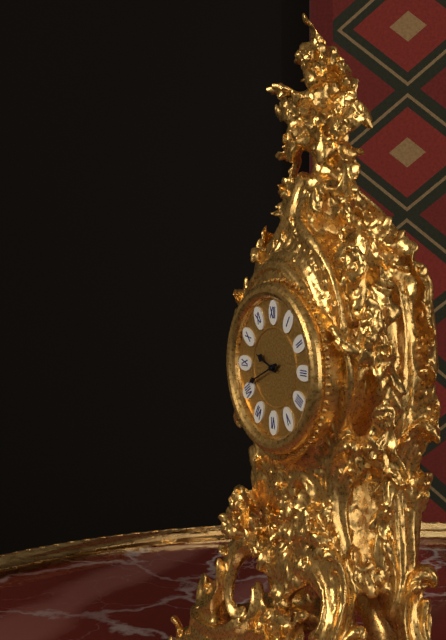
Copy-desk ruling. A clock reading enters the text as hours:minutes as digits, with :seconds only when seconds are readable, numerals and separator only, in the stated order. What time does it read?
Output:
9:41
